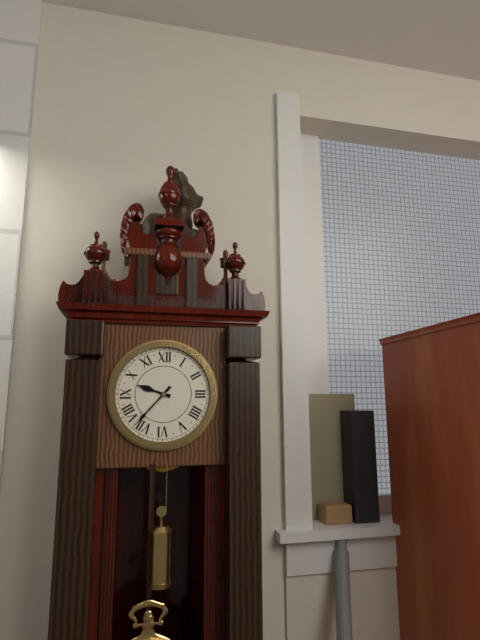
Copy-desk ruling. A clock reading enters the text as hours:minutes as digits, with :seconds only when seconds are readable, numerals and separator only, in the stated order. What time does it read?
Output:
9:37
